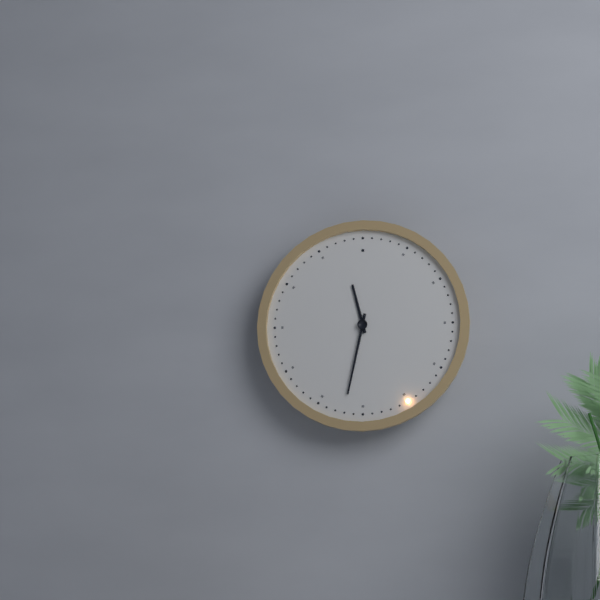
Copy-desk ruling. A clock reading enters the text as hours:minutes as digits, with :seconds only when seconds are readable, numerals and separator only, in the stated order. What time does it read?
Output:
11:32
